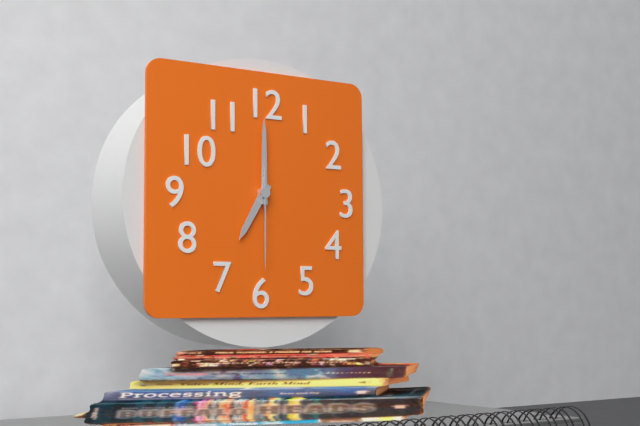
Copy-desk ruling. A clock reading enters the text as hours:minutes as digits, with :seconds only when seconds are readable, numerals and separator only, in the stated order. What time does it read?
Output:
7:00:30
